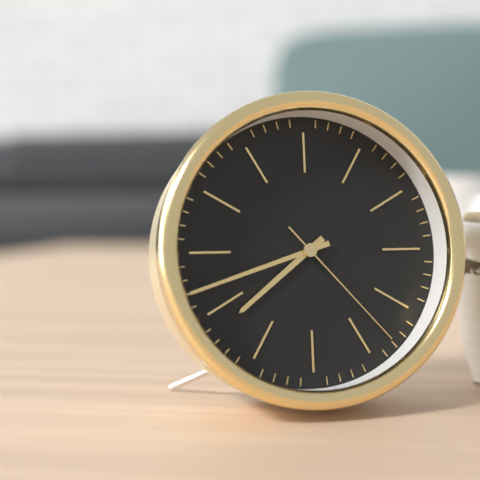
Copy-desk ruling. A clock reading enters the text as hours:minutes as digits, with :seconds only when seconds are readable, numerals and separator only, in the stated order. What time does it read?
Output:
7:42:23
